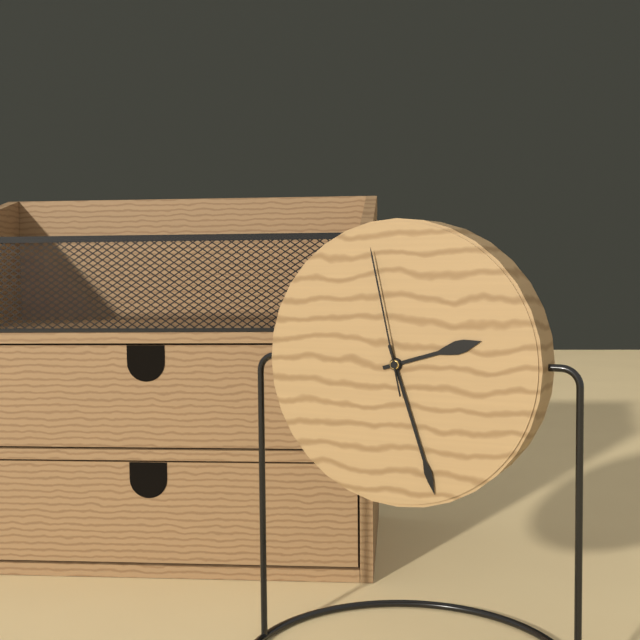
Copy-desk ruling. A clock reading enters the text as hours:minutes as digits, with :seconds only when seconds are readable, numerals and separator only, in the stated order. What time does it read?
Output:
2:27:58
